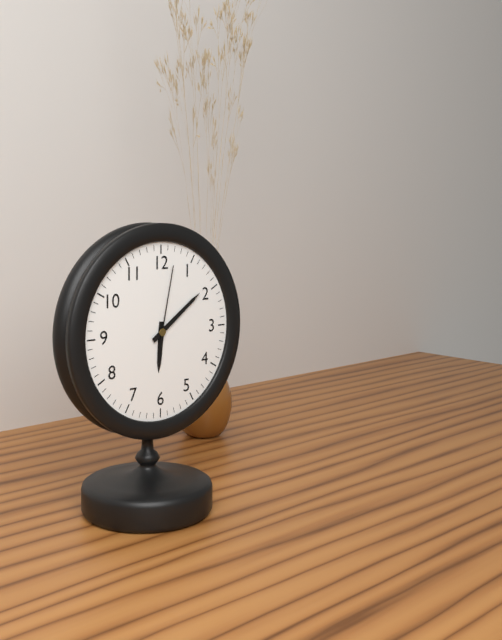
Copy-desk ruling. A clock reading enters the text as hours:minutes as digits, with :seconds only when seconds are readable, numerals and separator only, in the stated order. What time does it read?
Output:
6:09:02
